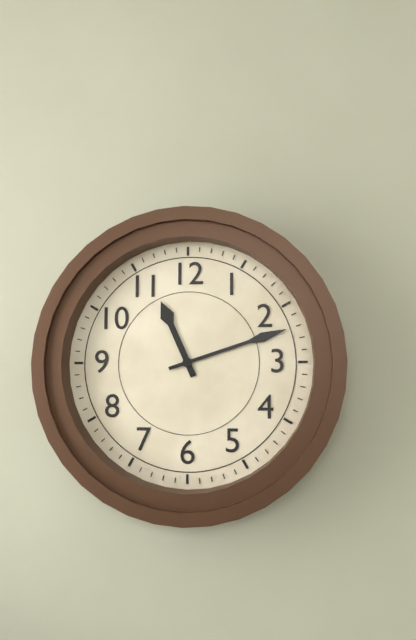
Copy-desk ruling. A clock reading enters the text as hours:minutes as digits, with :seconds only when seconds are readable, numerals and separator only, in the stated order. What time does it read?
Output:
11:12
